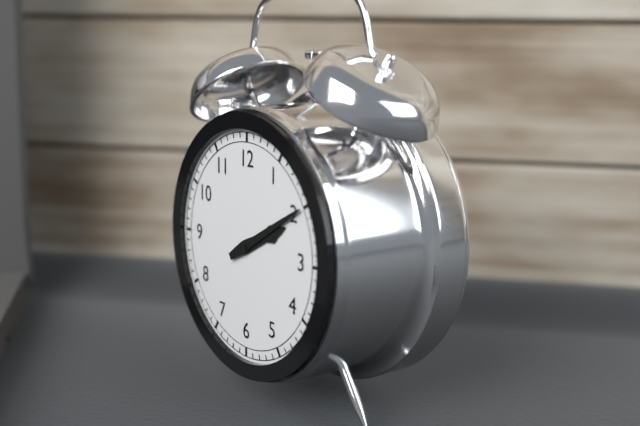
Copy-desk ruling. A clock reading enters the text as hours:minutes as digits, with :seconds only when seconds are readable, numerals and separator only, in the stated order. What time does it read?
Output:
2:10
